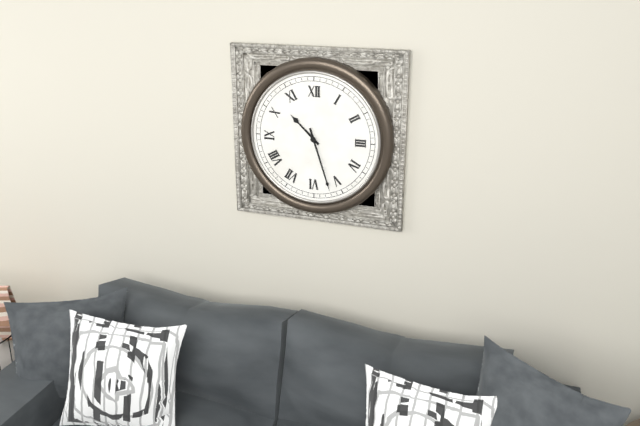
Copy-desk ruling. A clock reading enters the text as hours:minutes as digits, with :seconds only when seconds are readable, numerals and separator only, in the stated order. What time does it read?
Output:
10:27
